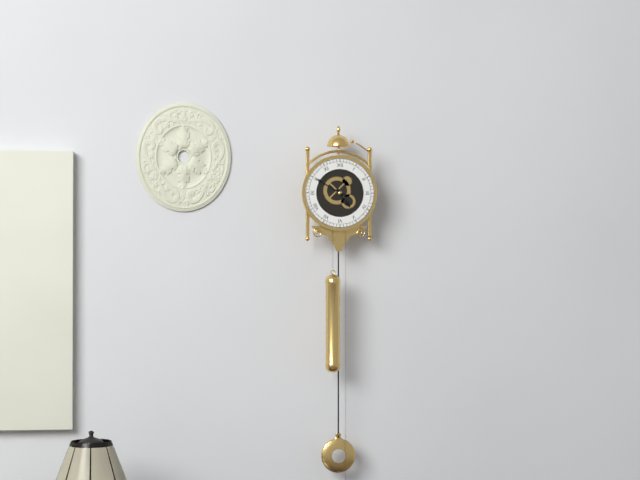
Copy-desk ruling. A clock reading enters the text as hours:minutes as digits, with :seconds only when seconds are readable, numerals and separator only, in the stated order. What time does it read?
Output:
4:50
